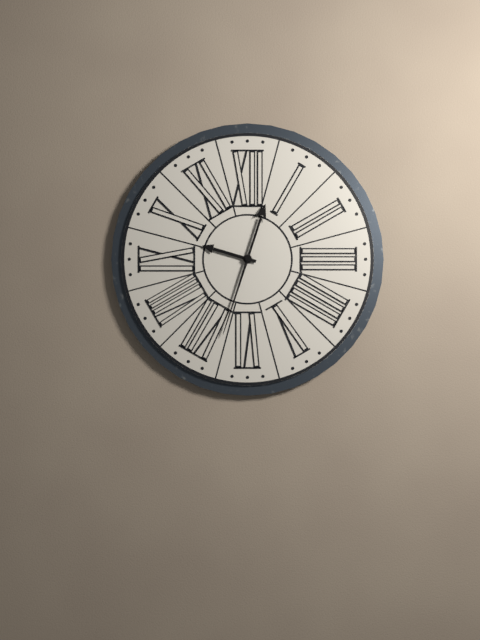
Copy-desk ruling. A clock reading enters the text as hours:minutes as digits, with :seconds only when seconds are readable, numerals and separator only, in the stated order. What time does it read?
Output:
9:33
